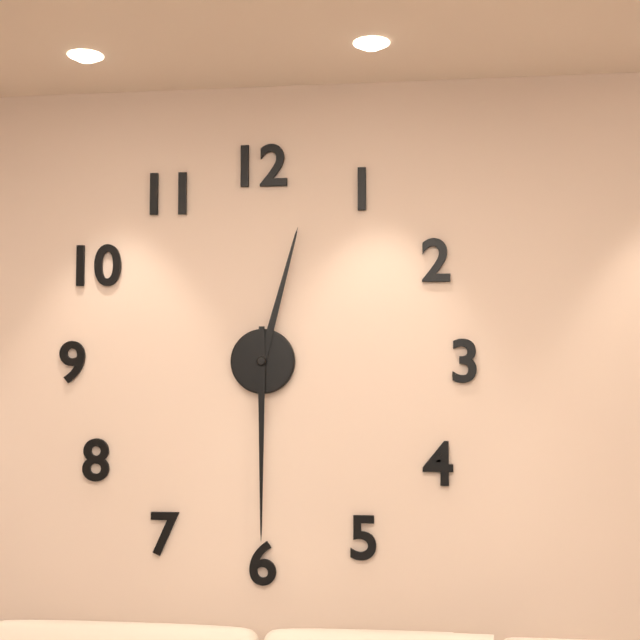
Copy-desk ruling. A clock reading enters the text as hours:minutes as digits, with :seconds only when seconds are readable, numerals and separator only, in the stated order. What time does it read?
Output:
12:30
